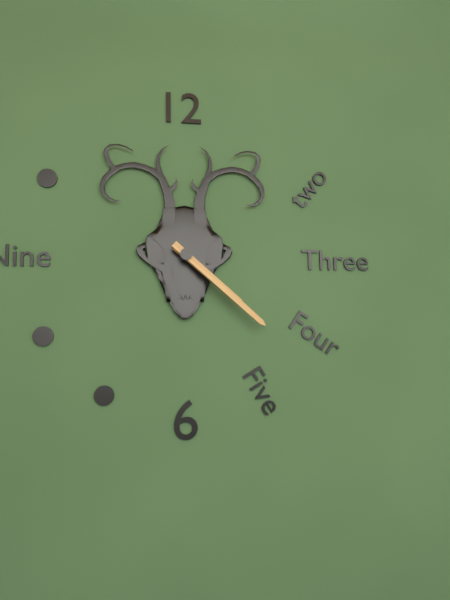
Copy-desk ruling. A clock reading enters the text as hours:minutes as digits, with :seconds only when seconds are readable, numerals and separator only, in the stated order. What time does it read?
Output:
4:22
